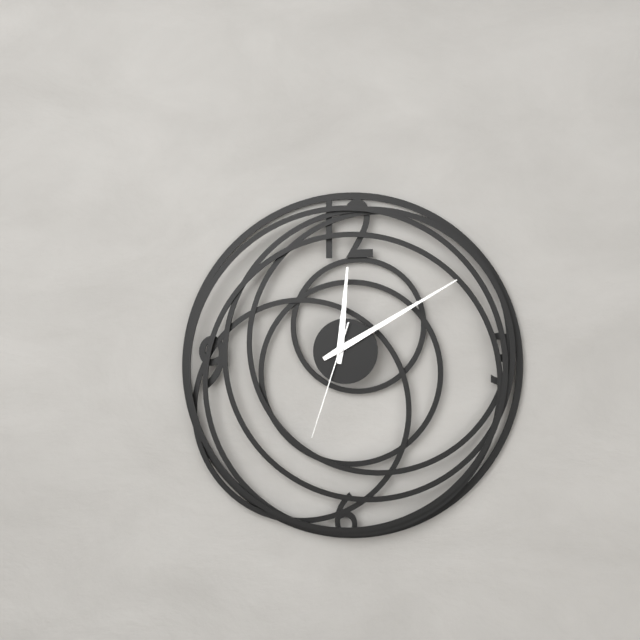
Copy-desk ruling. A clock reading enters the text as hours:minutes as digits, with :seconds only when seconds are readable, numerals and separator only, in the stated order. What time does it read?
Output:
12:10:33
